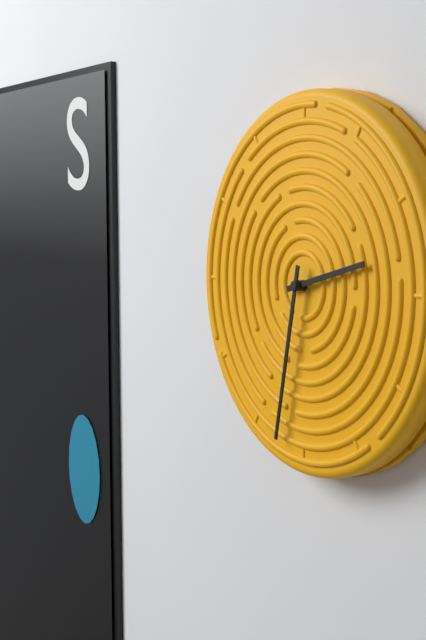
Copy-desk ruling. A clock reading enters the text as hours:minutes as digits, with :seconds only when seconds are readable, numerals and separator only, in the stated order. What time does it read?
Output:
2:32
